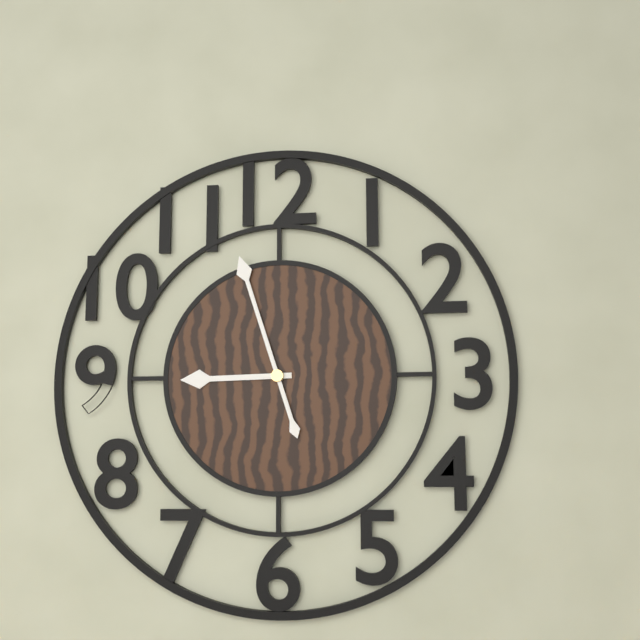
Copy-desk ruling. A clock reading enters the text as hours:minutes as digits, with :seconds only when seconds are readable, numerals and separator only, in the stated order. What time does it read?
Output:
8:57
